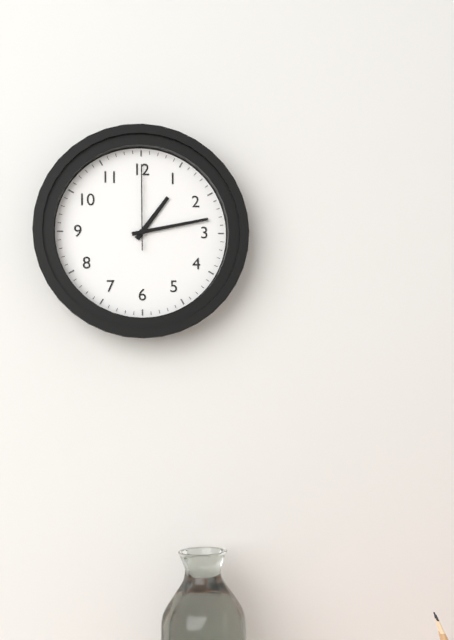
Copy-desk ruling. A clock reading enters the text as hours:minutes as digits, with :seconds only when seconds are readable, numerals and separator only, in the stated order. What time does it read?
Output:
1:13:00
